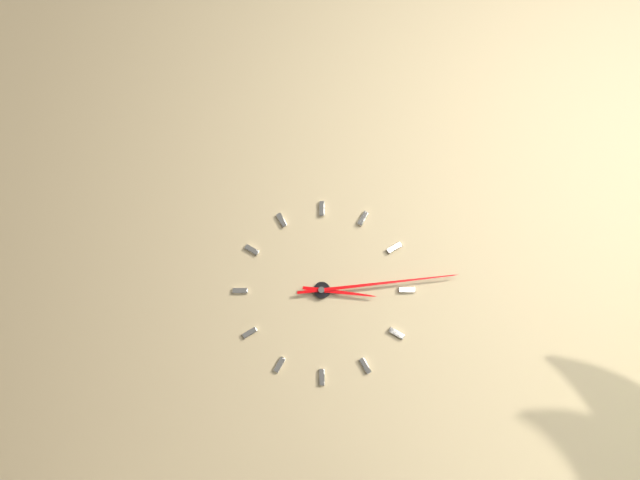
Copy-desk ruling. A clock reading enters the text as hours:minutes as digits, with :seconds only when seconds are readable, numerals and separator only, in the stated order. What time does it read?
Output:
3:14
